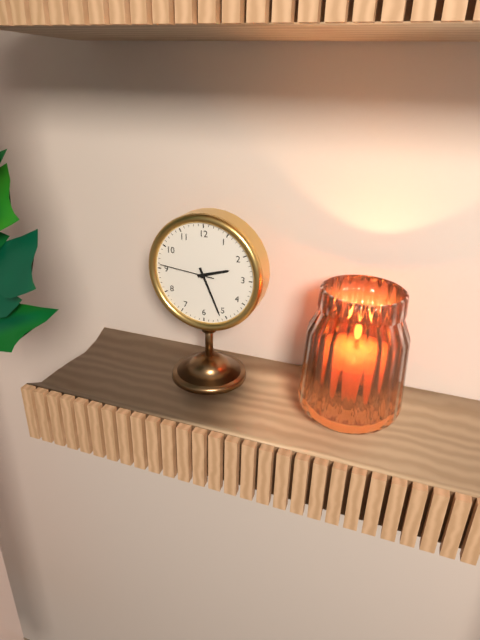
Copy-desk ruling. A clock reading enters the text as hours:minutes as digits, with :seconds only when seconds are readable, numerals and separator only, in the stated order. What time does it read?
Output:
2:26:46
